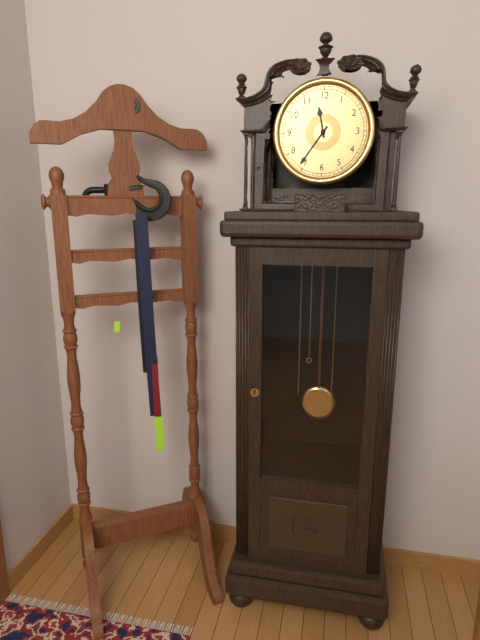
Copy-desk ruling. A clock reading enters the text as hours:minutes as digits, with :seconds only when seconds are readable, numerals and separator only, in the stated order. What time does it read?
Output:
11:36
